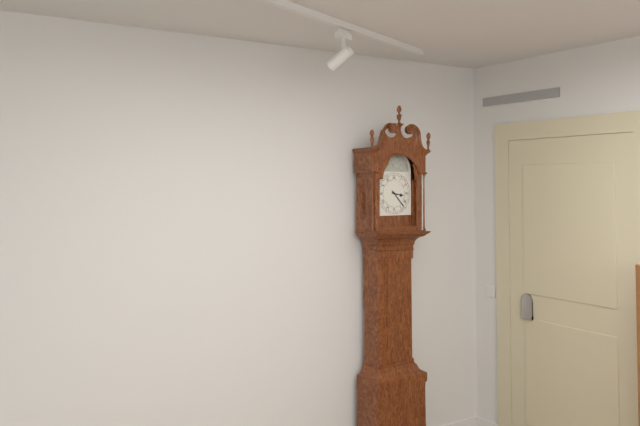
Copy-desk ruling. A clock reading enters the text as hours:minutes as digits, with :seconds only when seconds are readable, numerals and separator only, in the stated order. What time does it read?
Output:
3:23
